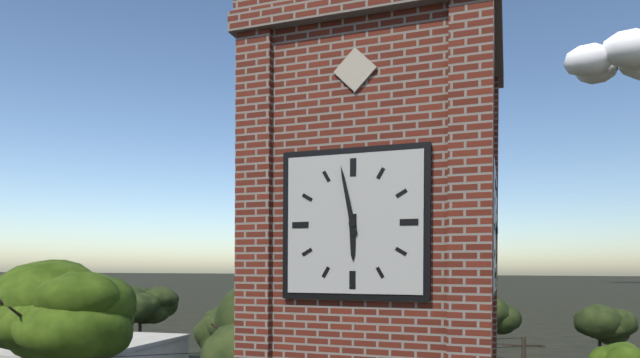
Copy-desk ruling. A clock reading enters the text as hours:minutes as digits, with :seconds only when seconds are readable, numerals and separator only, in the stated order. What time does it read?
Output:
5:58
